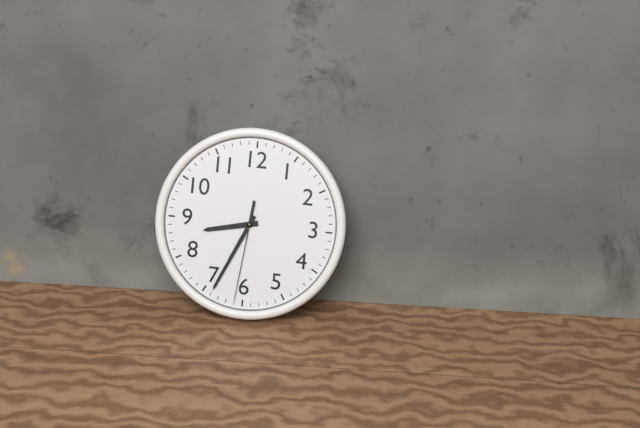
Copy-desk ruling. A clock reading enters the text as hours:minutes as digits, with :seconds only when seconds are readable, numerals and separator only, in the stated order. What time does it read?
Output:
8:34:31
